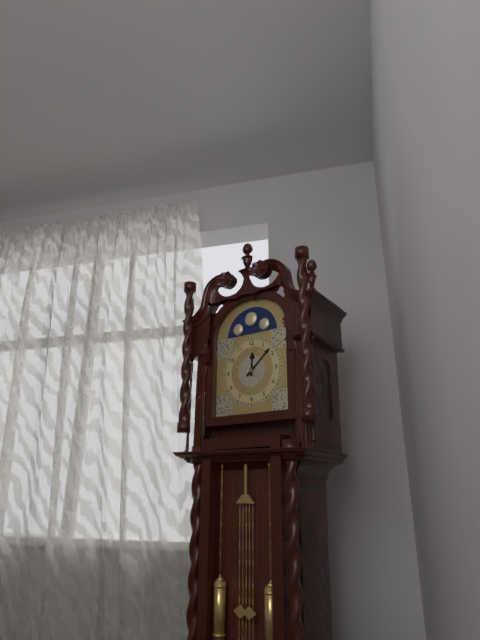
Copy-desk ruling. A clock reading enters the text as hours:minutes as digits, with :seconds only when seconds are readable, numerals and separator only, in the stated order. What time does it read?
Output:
12:08
